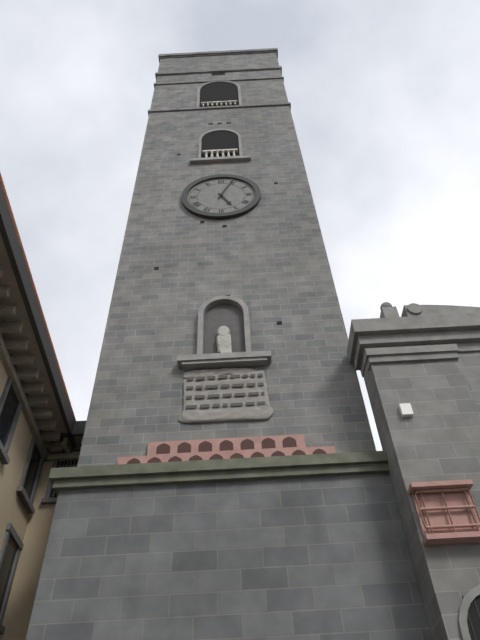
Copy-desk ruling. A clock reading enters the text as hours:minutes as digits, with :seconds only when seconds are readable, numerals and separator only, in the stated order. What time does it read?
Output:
5:04
